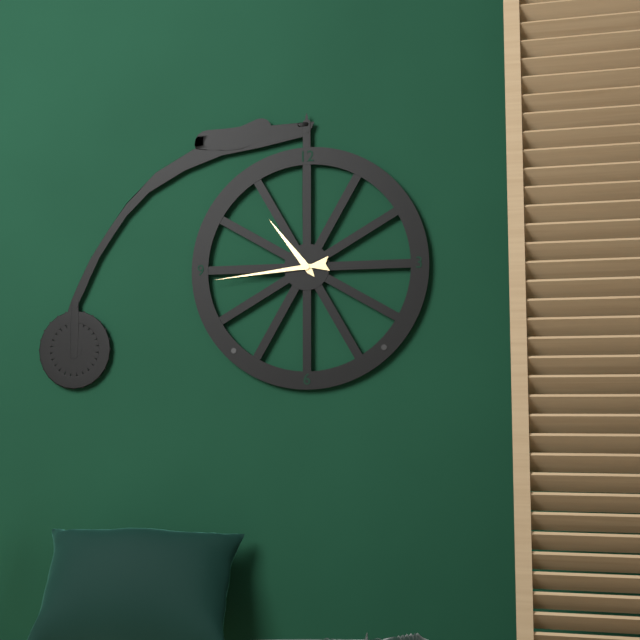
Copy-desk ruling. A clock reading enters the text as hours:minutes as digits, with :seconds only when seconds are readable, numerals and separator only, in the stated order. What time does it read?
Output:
10:44
